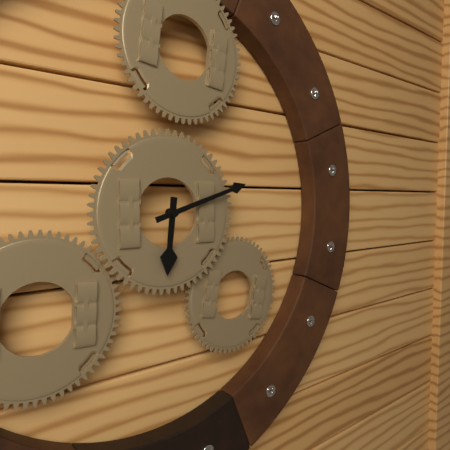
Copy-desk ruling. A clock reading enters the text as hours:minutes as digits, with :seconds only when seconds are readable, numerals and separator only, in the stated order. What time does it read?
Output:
6:12
